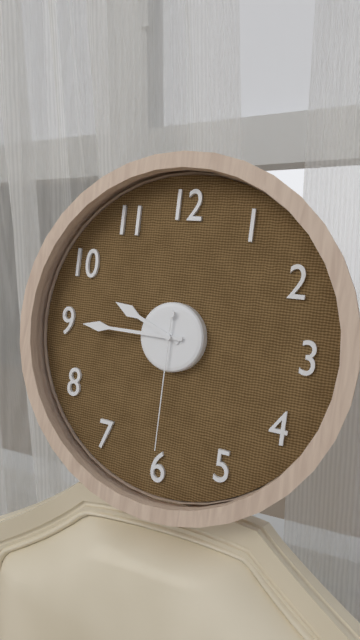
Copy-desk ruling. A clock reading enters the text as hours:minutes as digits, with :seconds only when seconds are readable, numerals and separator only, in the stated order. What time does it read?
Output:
9:45:30
